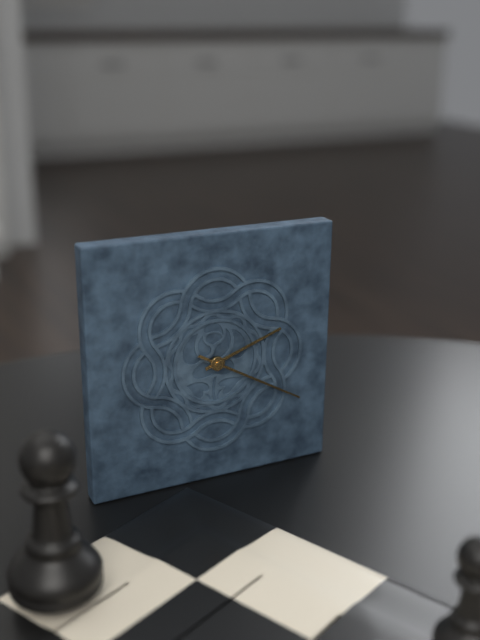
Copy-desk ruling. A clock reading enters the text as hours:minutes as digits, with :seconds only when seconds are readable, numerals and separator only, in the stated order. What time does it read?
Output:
2:20
